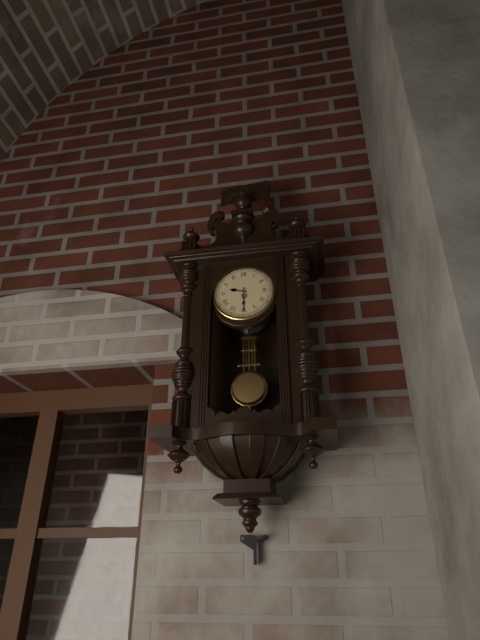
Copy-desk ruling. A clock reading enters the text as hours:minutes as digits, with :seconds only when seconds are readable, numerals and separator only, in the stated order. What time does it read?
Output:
9:30
